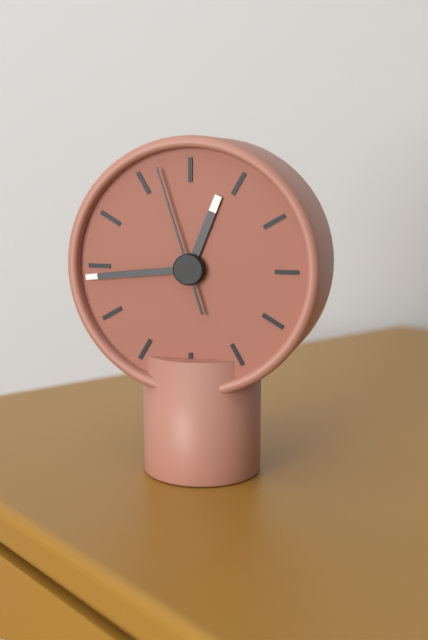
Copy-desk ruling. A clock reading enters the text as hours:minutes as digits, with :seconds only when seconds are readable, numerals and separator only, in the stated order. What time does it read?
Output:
12:44:57
